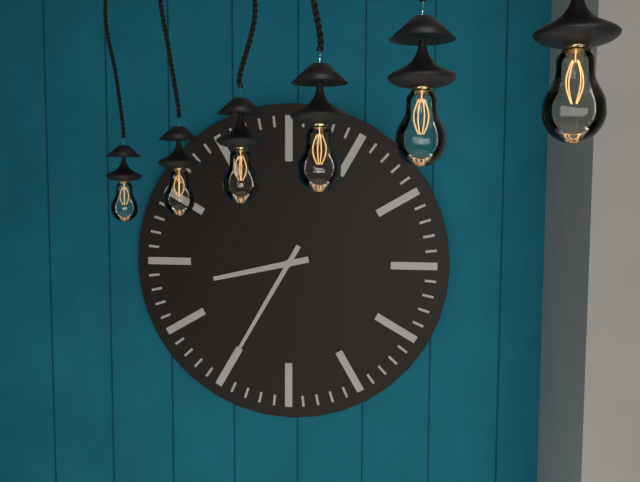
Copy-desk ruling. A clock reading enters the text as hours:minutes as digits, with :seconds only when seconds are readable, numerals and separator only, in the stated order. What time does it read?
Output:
8:35
